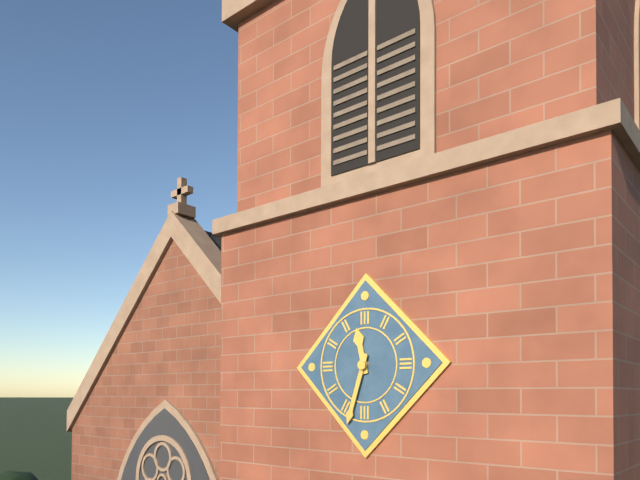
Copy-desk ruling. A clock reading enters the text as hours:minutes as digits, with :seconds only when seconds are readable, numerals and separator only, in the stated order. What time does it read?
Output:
11:33
